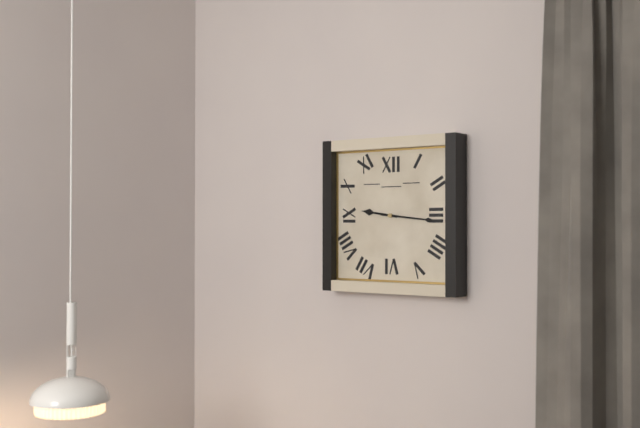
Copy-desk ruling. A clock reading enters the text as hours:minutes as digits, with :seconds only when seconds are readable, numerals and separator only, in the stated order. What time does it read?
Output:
9:16
